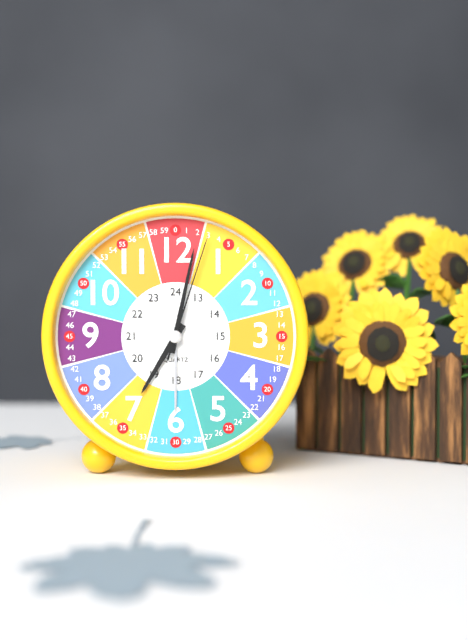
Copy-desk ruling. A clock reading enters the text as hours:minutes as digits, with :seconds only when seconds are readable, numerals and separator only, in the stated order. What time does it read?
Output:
7:02:03
